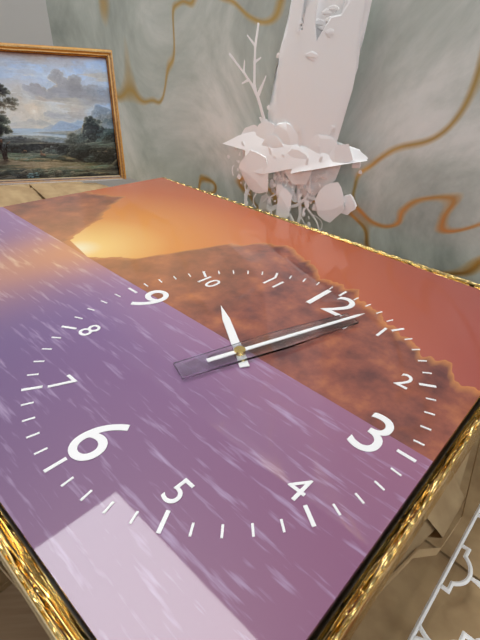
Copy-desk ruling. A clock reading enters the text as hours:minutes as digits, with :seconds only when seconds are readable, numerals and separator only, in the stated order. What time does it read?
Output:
10:03
